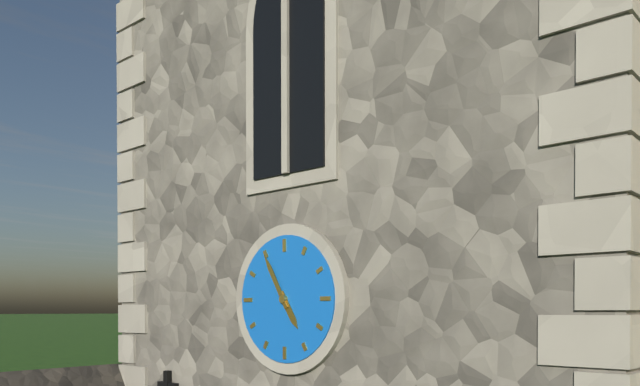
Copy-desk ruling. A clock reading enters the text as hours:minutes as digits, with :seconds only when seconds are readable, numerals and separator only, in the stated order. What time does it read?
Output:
4:55
